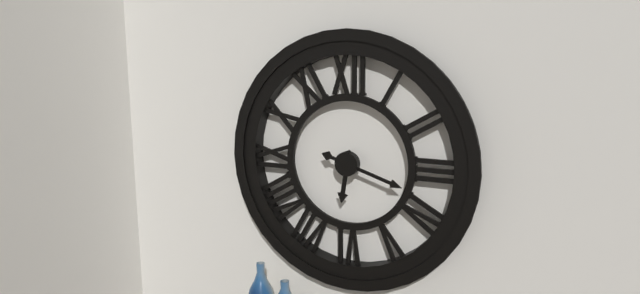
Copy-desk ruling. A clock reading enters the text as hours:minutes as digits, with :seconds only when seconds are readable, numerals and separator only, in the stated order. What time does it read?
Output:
6:18
